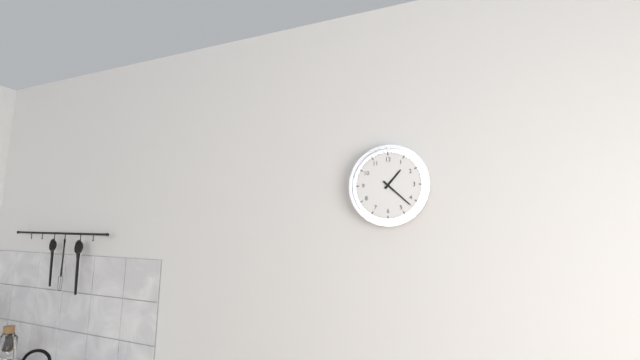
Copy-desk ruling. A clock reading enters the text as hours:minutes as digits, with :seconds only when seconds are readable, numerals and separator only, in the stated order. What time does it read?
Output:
1:22
